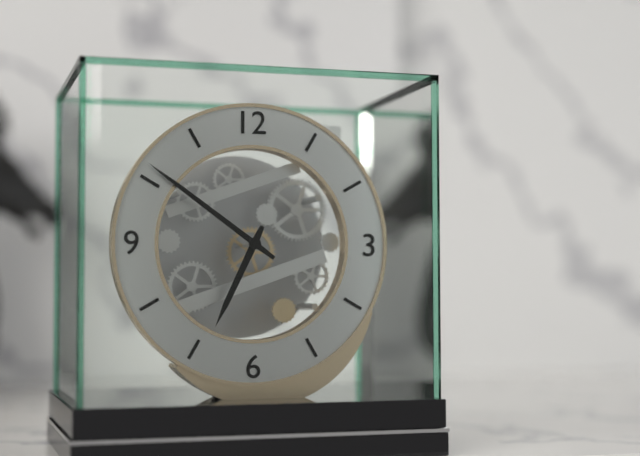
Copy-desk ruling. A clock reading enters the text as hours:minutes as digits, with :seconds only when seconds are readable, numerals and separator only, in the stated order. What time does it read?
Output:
6:51
